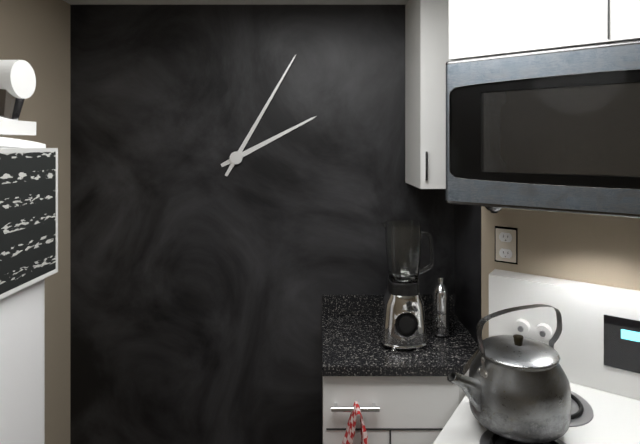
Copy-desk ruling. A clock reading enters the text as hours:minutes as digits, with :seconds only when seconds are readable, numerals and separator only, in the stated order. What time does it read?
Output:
2:05
